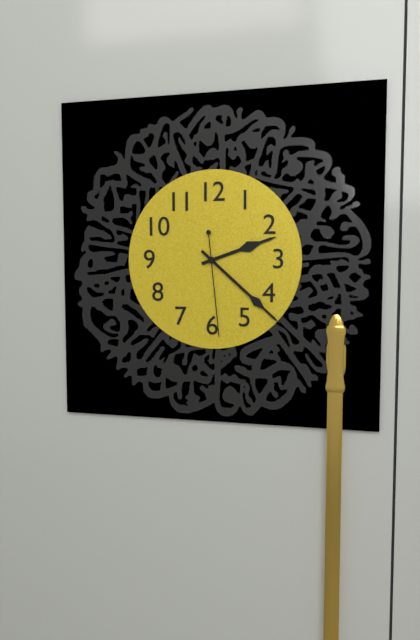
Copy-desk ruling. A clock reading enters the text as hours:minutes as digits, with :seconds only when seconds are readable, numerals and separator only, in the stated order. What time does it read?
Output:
2:22:29
